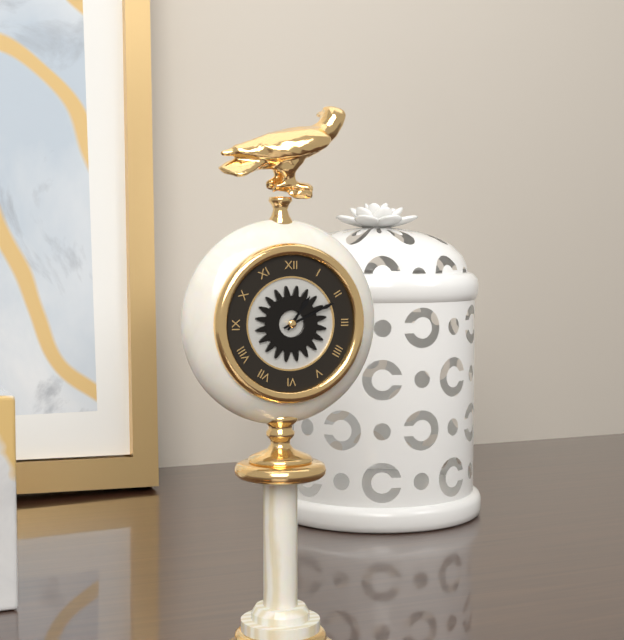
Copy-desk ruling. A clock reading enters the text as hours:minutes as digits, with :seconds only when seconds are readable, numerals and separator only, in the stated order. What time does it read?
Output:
1:11
